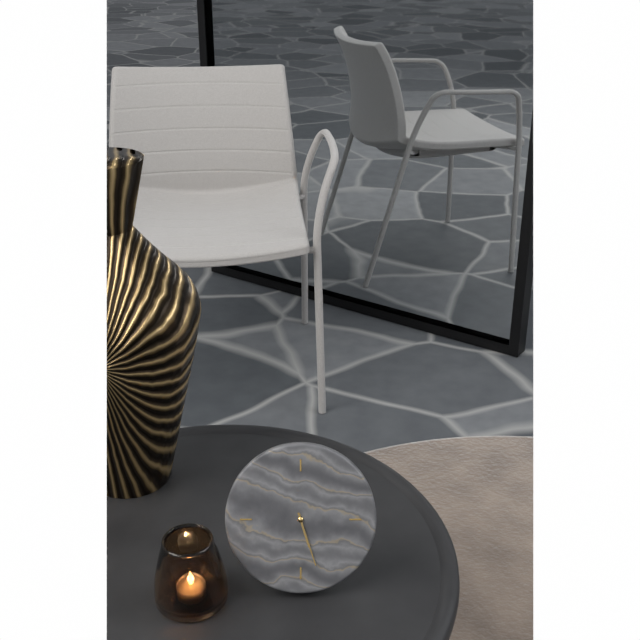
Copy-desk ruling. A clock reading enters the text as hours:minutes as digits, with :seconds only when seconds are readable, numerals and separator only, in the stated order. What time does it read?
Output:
5:27
